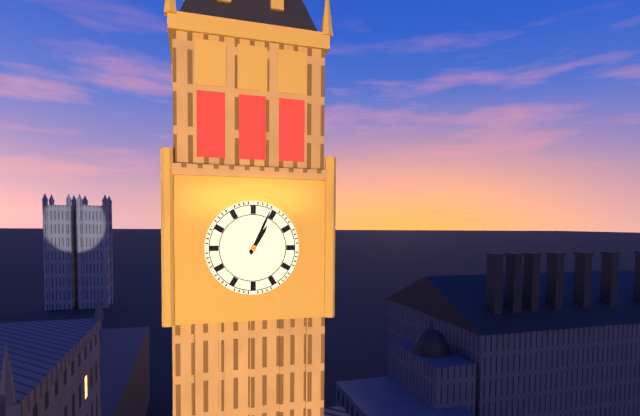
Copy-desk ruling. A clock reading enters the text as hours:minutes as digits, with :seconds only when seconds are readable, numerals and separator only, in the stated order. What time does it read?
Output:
1:04
